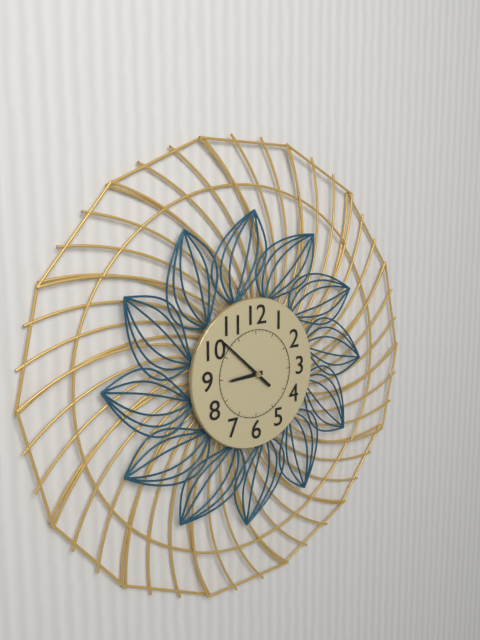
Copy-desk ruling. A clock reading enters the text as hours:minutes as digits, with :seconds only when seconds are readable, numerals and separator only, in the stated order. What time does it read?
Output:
8:52
